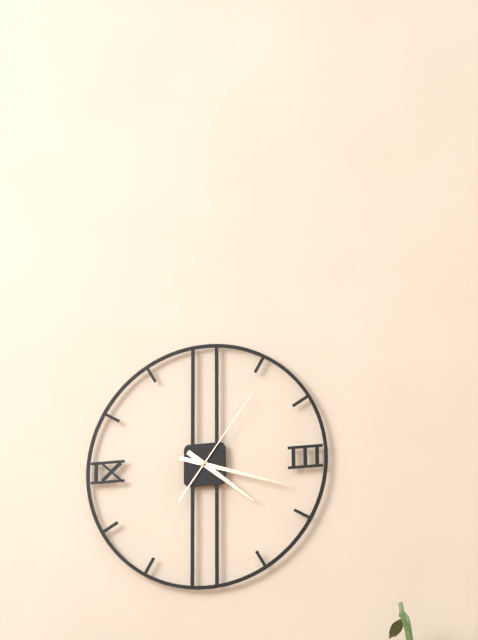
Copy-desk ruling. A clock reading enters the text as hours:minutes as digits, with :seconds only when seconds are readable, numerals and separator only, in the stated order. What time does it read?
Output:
4:18:06
